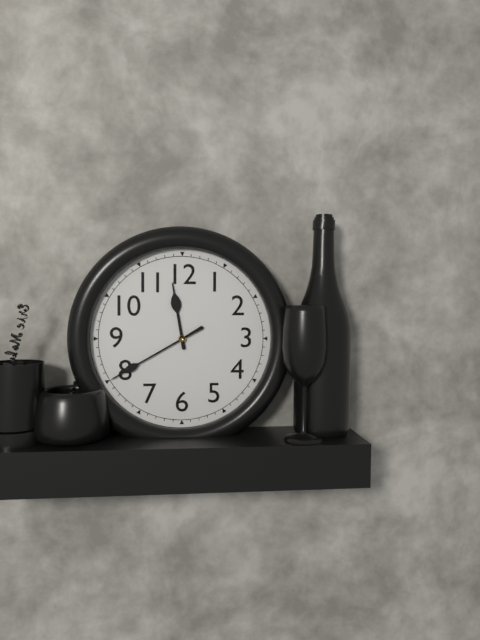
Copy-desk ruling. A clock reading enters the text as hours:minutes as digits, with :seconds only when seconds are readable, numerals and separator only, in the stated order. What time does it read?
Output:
11:40
